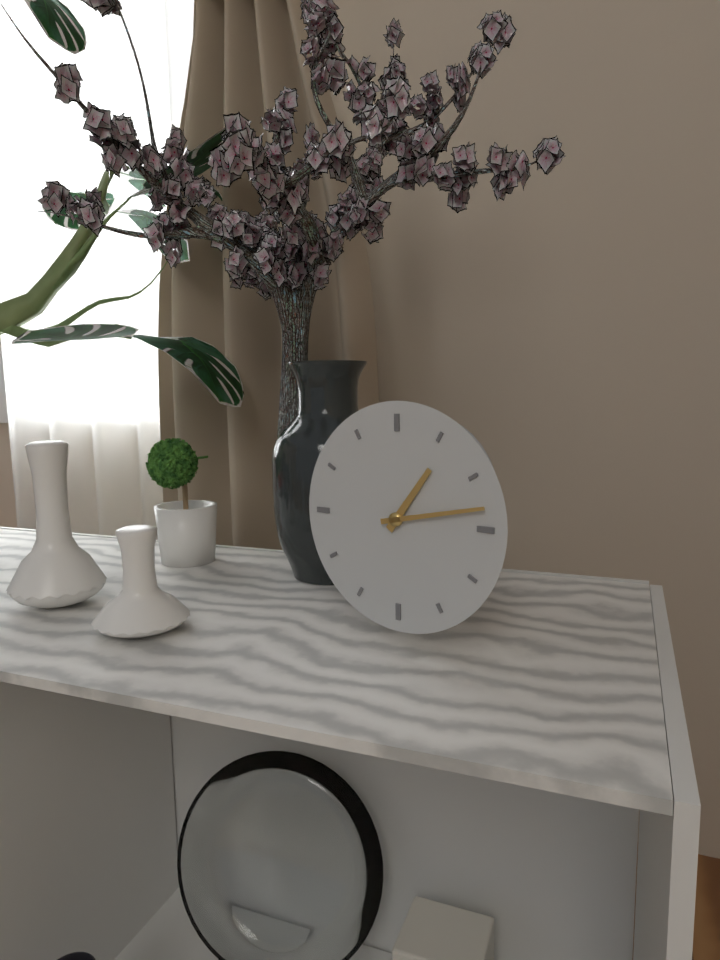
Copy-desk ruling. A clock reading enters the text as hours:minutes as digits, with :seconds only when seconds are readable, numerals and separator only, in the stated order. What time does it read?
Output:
1:13
